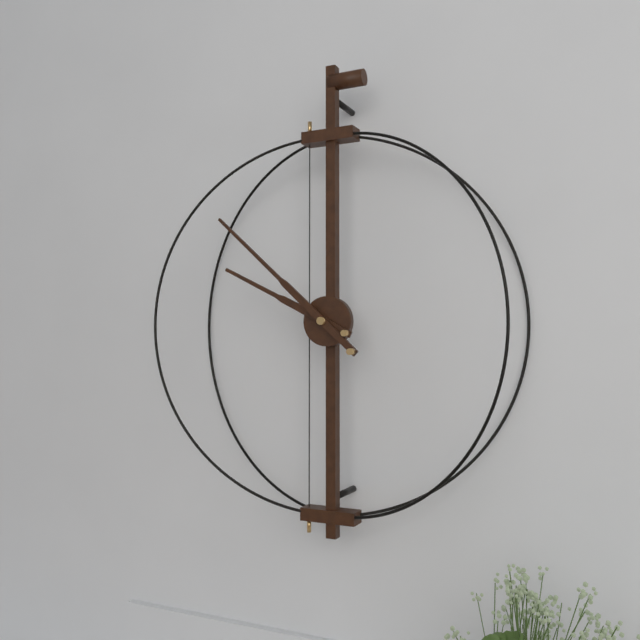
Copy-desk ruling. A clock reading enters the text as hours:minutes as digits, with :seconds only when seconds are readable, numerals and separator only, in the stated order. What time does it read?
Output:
9:52
